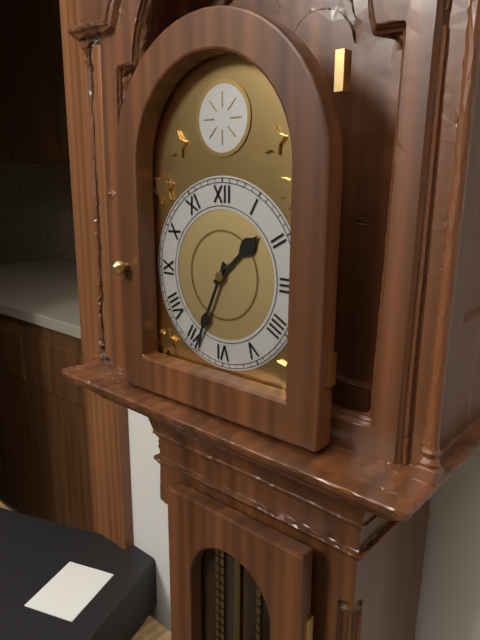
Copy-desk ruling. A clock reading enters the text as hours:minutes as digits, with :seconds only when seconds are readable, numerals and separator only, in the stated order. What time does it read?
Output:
1:34
